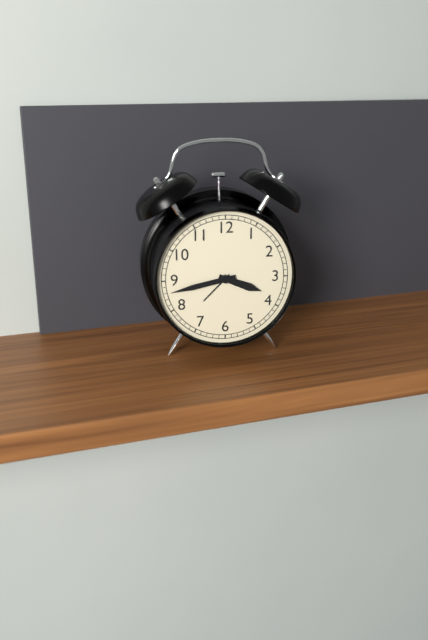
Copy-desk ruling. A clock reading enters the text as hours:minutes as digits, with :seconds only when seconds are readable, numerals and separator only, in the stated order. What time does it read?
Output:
3:43
